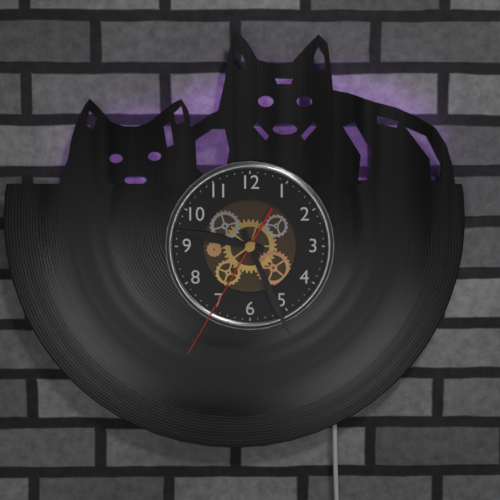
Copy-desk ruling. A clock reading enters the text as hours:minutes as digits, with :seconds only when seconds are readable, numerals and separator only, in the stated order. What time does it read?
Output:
9:26:35
